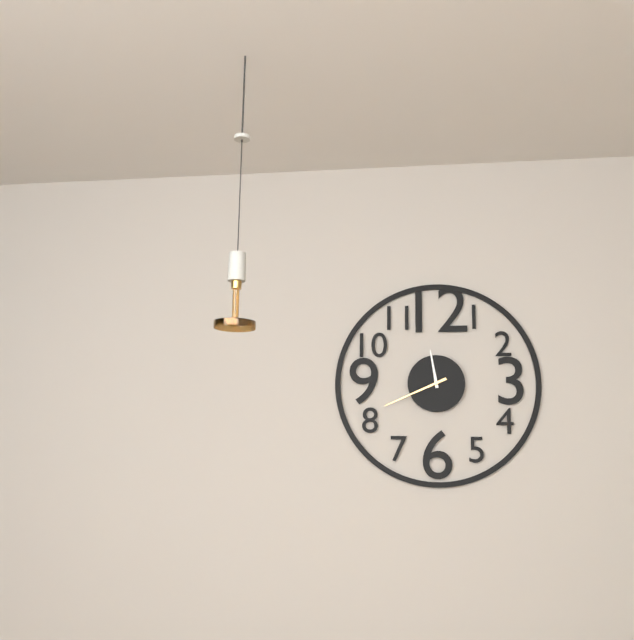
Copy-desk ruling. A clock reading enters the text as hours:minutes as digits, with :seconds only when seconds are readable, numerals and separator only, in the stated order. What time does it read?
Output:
11:41
